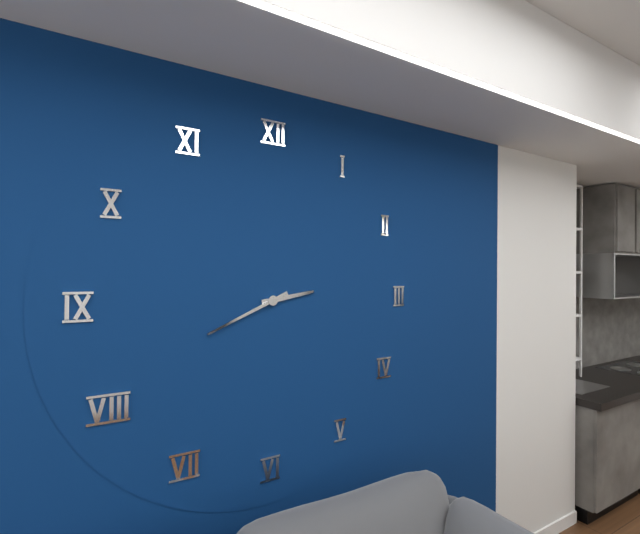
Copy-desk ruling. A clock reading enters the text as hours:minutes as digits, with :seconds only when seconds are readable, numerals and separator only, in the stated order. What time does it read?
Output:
2:41
